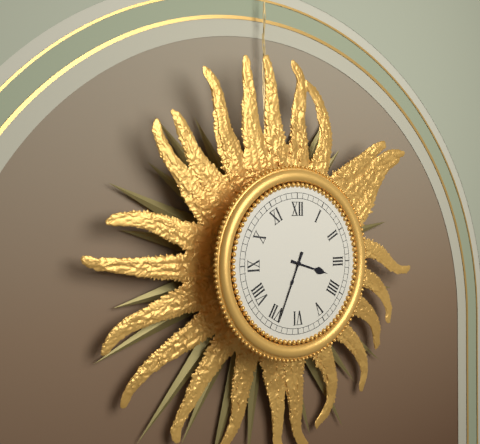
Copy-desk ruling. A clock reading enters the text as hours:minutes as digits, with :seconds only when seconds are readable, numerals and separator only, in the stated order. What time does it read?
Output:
3:34
